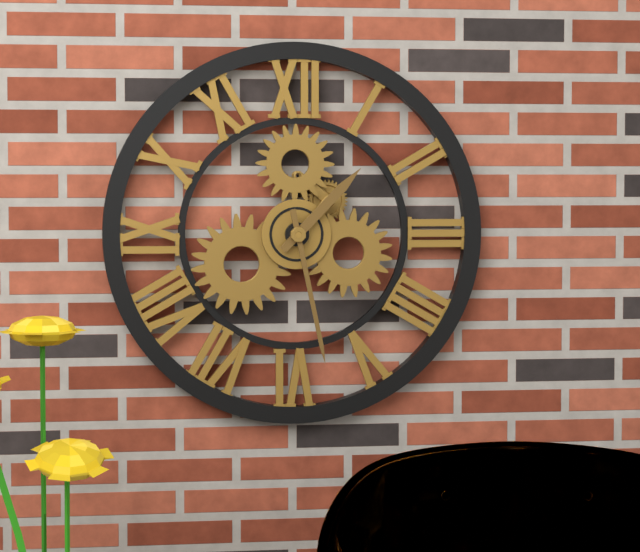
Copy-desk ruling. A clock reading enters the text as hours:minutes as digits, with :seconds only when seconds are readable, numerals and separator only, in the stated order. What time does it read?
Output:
1:28
